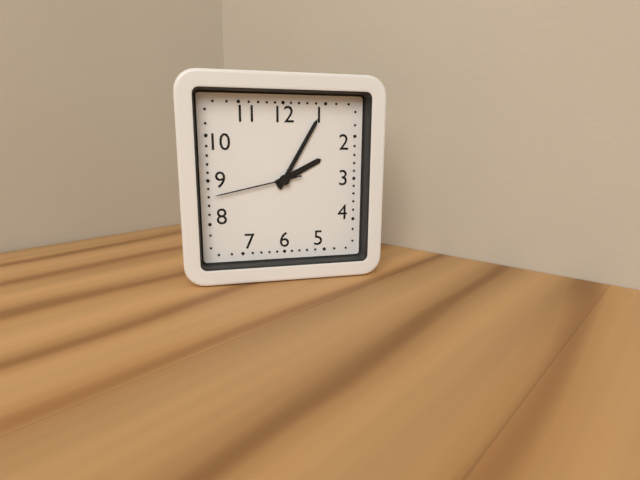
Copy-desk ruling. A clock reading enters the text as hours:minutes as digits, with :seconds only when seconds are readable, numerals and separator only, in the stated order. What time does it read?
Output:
2:05:43
